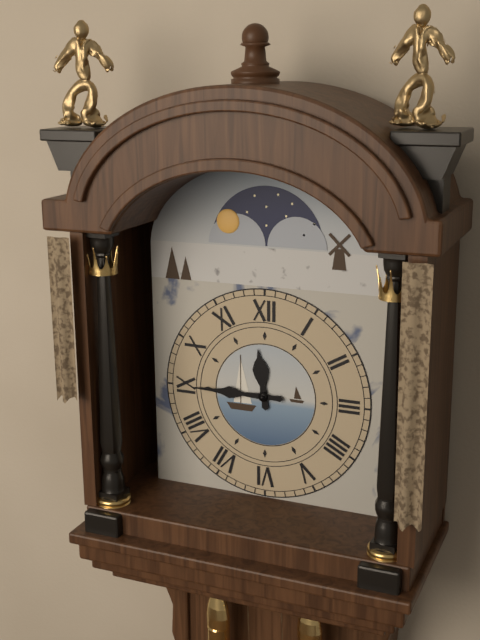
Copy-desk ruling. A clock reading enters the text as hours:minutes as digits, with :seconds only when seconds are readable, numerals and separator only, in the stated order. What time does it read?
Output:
11:45
